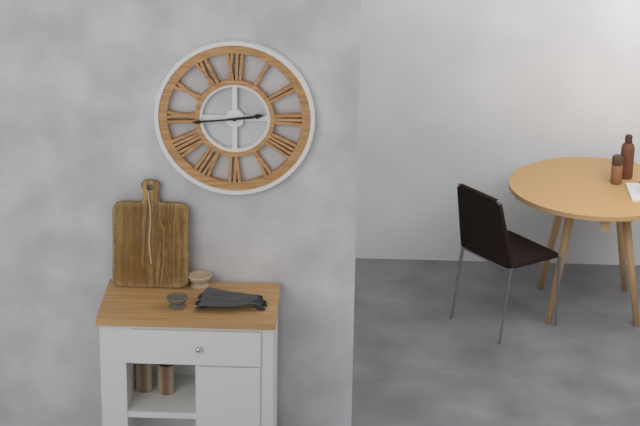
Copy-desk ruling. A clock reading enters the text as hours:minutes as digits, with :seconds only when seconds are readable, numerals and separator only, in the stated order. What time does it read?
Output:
2:44
